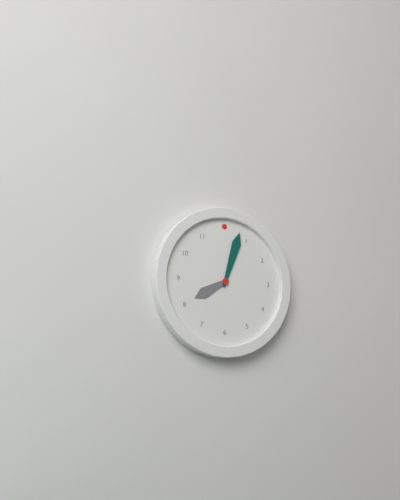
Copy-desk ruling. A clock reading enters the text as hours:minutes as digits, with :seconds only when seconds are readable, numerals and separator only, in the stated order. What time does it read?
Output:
8:03
